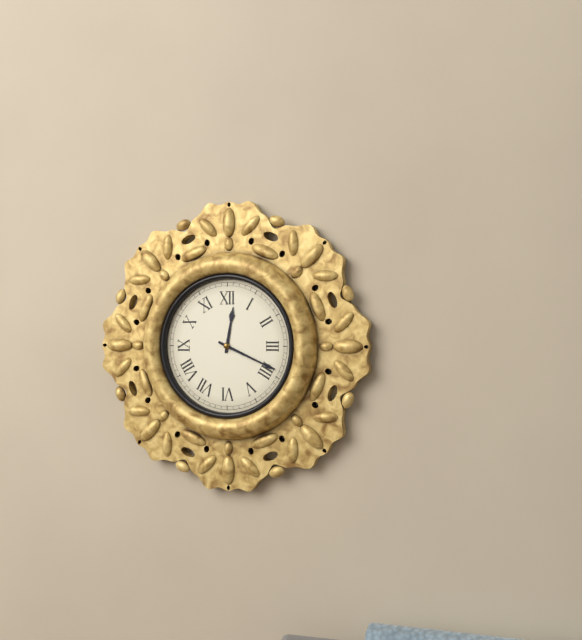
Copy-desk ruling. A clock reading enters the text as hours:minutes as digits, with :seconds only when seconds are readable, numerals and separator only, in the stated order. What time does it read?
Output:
12:19
